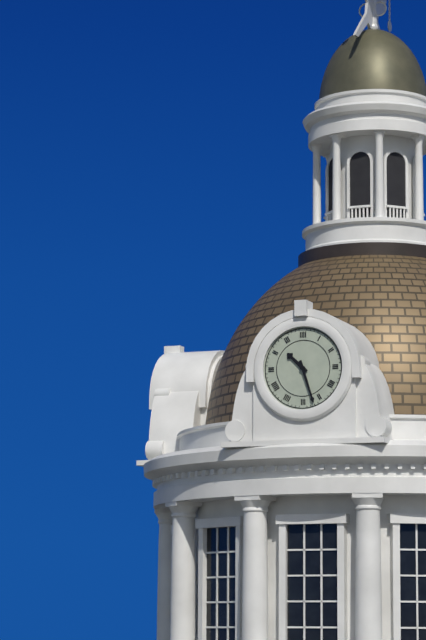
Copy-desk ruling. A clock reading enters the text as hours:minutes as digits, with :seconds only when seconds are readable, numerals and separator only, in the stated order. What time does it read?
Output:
10:27
